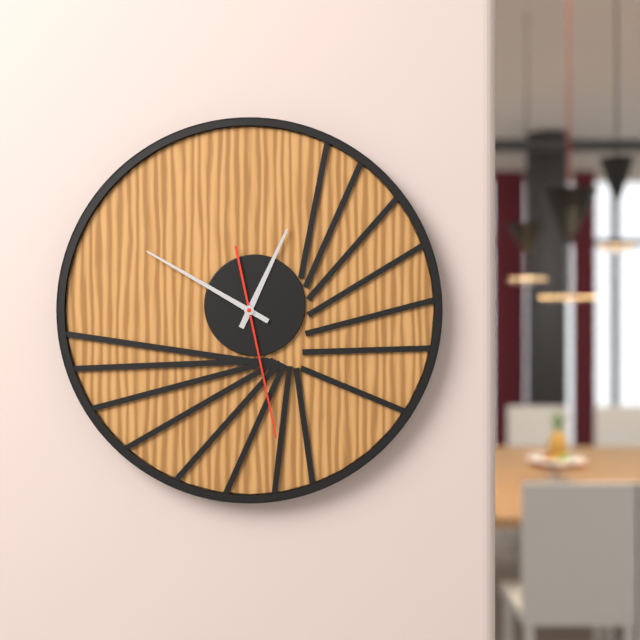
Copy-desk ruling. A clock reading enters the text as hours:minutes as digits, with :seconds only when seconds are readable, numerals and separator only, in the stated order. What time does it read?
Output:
12:50:28
